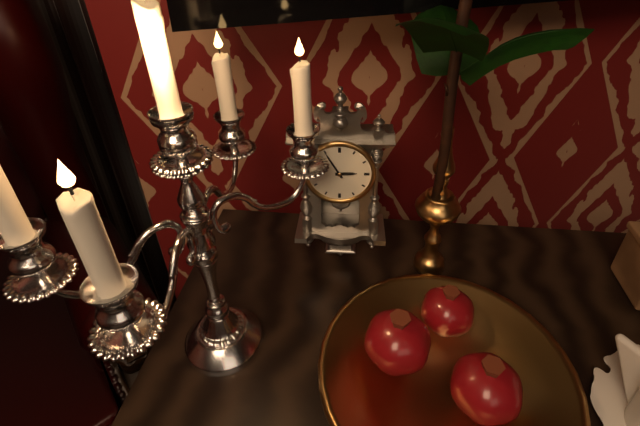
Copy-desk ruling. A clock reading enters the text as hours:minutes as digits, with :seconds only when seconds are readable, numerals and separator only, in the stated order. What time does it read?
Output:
2:55
